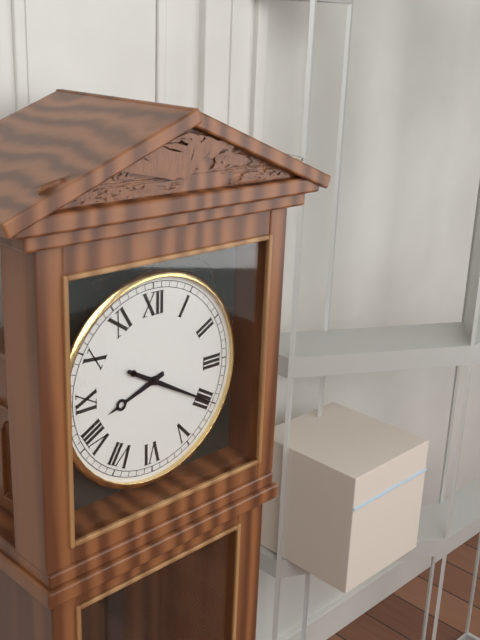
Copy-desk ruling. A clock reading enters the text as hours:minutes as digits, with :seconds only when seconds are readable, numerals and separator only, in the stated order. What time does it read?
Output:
8:20
